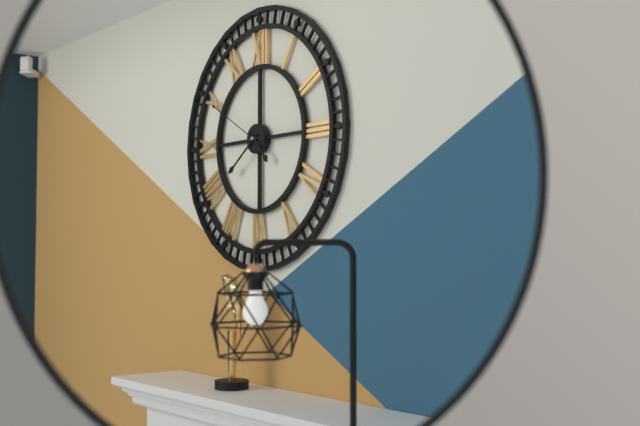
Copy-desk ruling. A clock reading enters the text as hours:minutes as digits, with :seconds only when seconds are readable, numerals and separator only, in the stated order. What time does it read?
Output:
4:39:50
